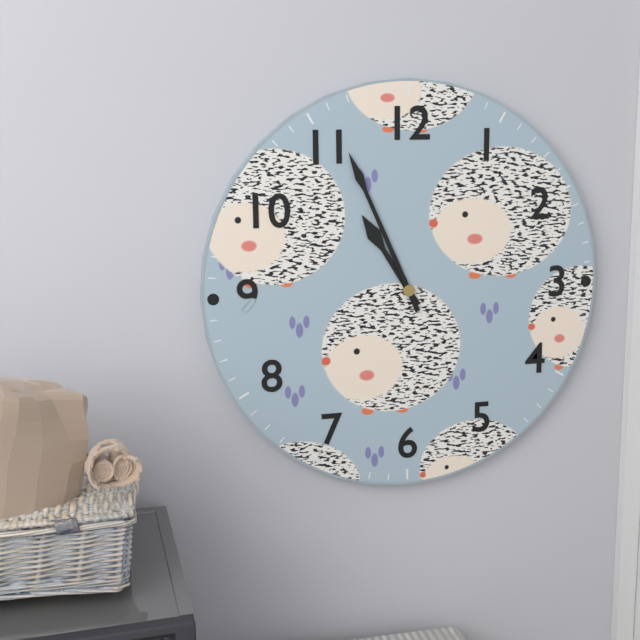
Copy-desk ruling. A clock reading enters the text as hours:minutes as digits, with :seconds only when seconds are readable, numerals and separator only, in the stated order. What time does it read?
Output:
10:56
